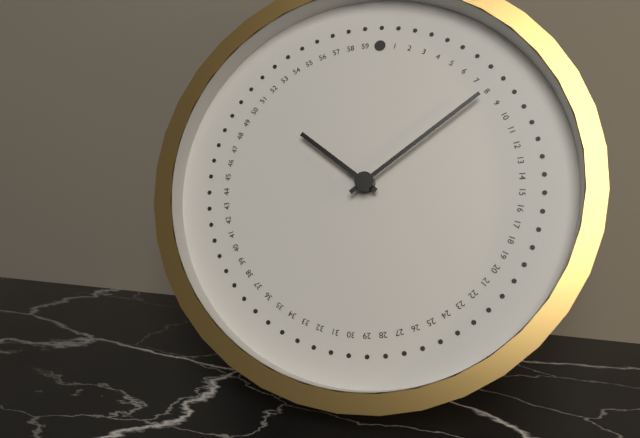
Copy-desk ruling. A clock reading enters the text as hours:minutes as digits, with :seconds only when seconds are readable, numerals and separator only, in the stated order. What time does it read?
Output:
10:08
